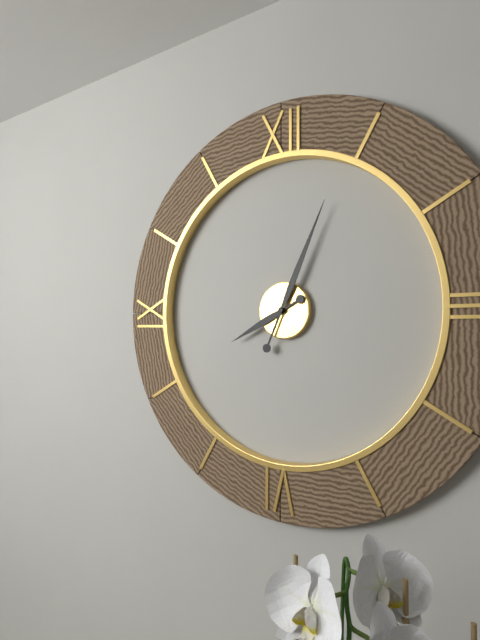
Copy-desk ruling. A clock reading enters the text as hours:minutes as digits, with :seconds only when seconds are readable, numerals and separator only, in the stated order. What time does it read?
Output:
8:04
